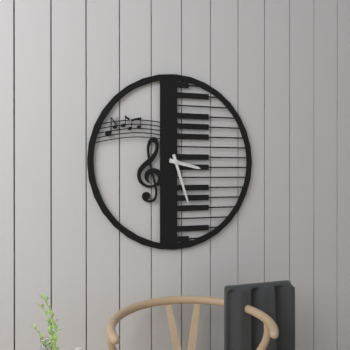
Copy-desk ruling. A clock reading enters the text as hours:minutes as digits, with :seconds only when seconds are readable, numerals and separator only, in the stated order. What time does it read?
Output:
3:27
